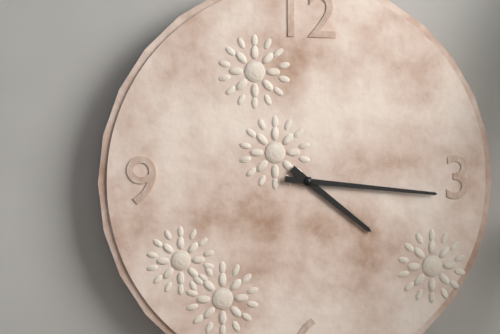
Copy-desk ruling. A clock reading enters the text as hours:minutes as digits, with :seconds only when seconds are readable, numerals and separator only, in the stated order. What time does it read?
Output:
4:16
